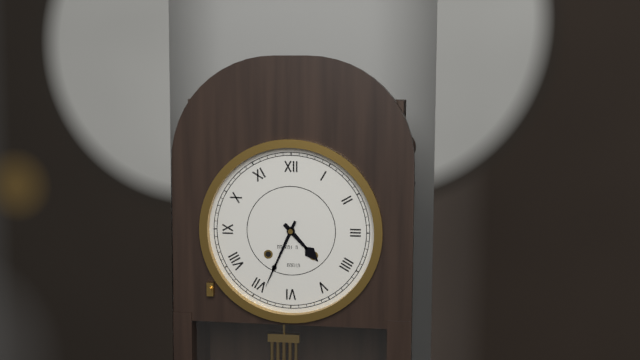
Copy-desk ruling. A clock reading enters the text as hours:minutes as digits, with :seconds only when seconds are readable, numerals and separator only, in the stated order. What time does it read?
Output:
4:34
